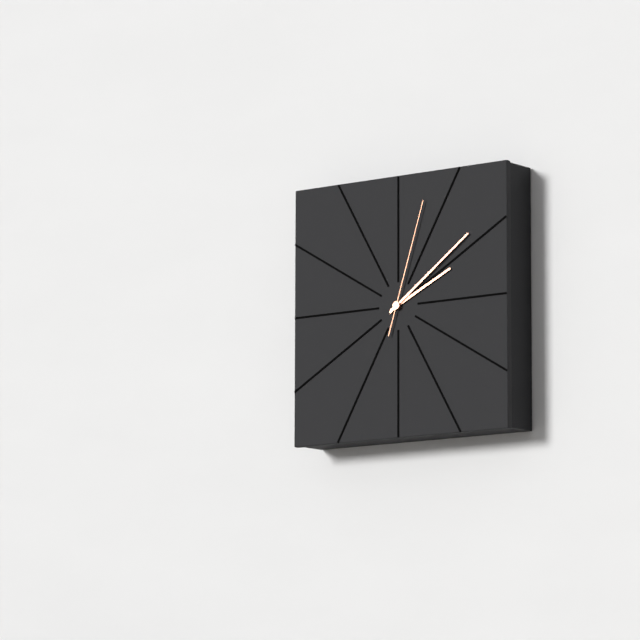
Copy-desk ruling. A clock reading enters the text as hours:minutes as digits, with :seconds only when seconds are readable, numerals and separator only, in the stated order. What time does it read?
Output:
2:09:03
